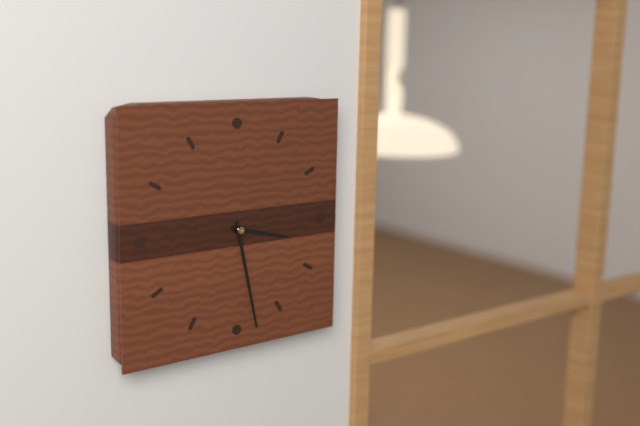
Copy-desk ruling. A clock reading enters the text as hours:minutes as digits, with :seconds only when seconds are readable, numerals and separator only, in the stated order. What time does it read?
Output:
3:28
